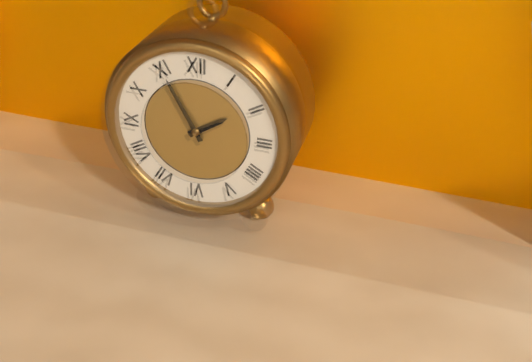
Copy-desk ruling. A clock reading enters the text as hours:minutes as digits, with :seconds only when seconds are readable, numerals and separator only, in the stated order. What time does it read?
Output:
1:55
